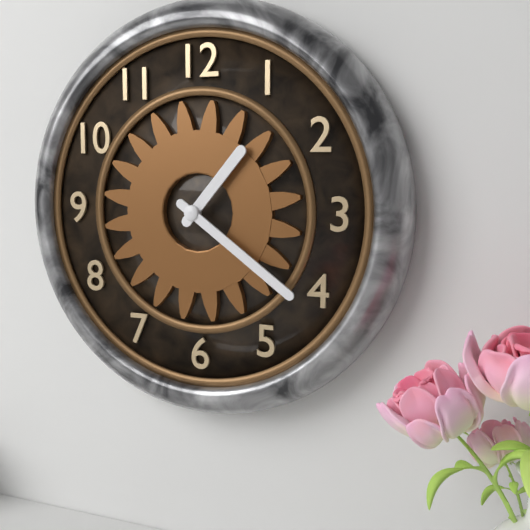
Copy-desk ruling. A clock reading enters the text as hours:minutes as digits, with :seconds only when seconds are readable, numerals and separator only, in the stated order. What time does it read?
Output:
1:21
